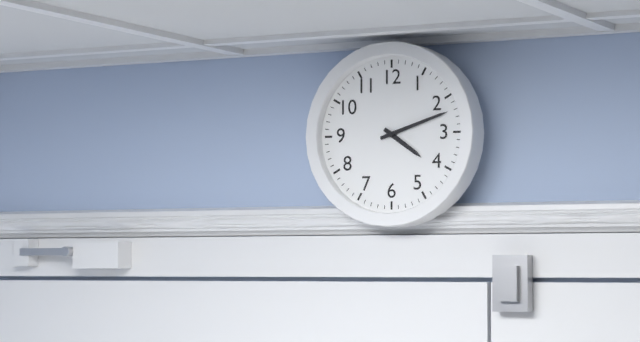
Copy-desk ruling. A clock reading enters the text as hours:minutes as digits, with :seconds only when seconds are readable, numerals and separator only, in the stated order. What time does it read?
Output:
4:12
